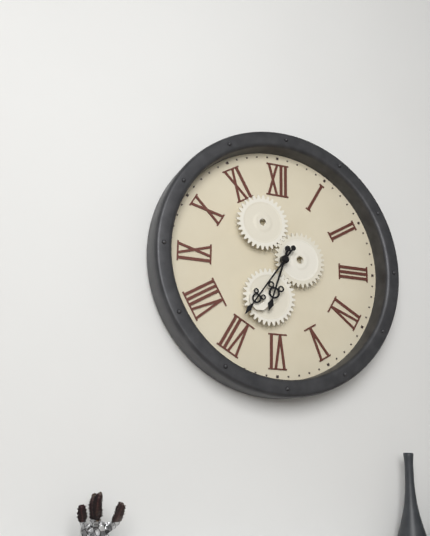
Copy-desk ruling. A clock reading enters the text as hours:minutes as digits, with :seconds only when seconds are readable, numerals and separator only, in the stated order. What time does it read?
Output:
6:36
